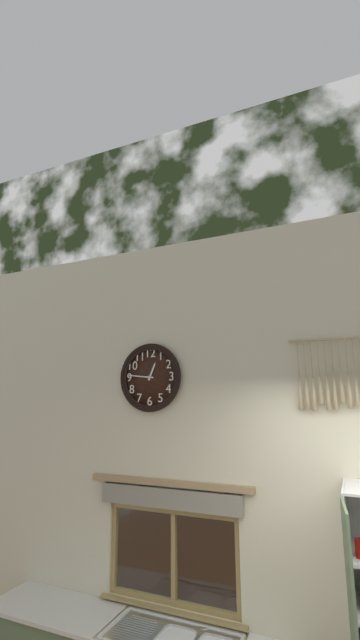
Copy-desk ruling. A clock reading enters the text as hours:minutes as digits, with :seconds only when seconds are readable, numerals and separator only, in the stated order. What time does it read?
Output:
12:46
